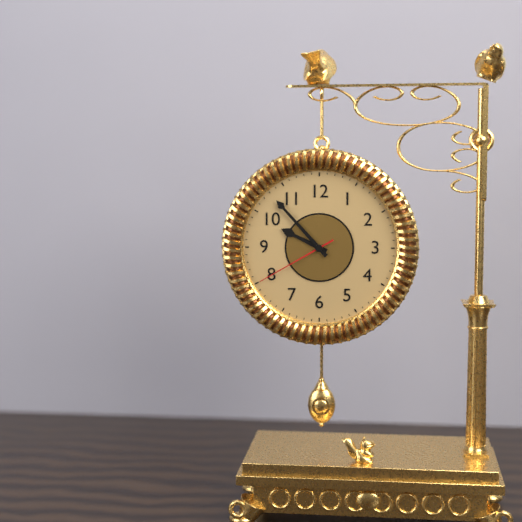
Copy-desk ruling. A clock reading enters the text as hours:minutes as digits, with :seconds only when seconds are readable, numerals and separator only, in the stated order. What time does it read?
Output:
9:53:40
